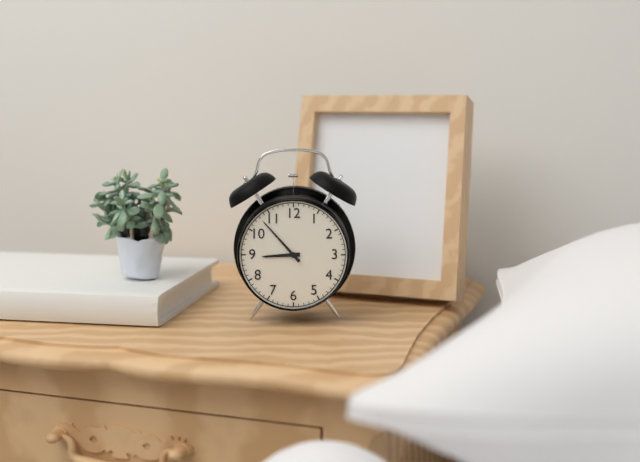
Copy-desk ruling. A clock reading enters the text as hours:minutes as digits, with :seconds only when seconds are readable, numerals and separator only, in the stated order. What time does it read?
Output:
8:53
